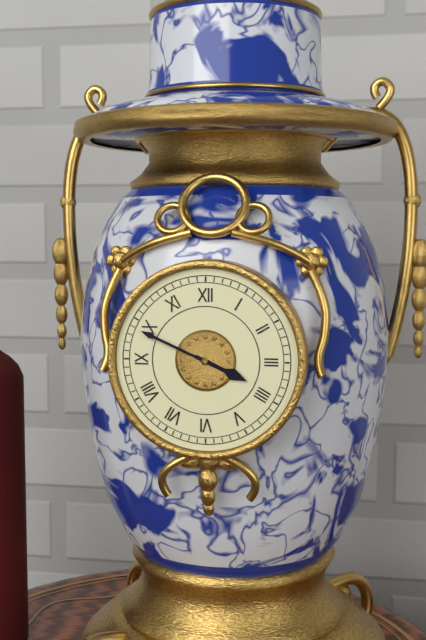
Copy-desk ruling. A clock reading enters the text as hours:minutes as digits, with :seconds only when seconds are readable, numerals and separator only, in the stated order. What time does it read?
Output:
3:49
